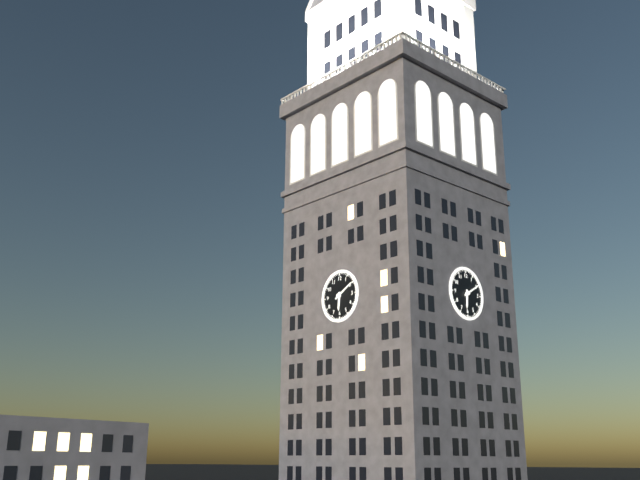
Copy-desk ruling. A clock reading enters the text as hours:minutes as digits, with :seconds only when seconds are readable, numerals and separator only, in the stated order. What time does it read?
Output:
6:10
